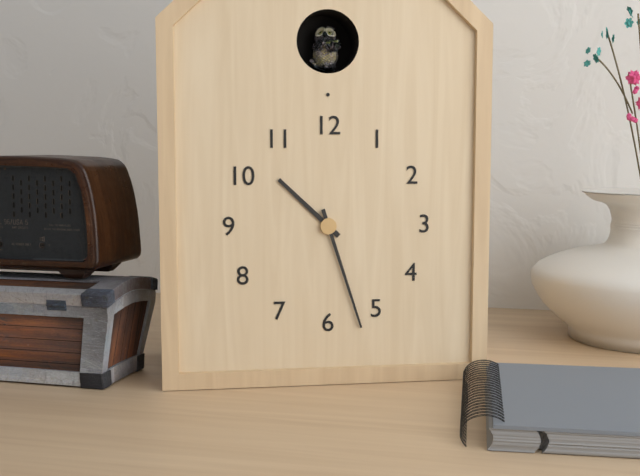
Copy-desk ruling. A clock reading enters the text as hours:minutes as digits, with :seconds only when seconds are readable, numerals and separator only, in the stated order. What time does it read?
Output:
10:27
